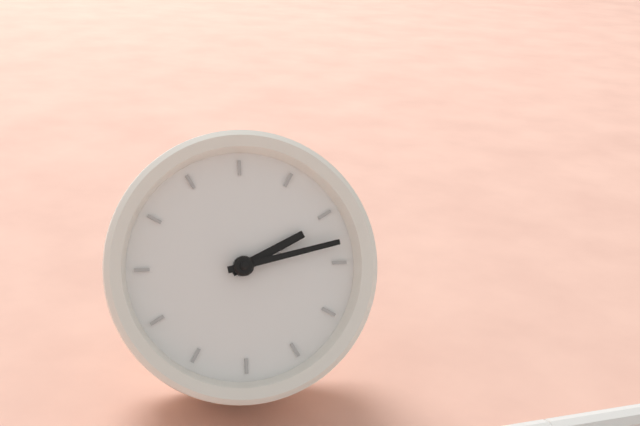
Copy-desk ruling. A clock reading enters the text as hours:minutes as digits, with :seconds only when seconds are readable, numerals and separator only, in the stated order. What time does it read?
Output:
1:08
